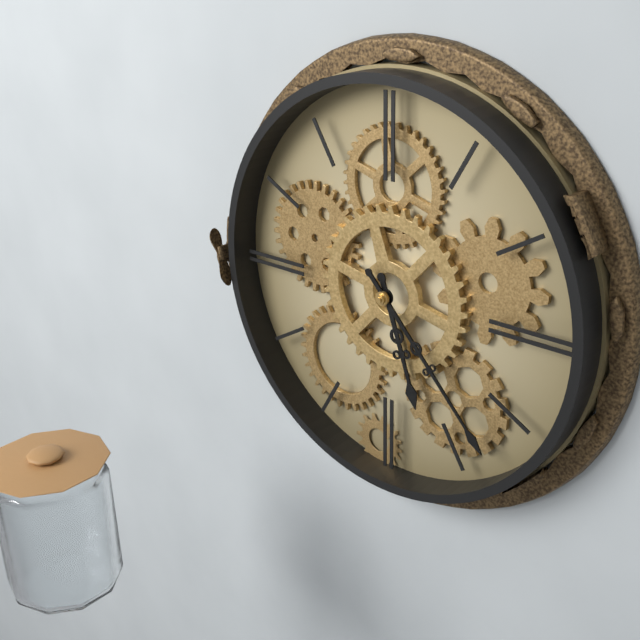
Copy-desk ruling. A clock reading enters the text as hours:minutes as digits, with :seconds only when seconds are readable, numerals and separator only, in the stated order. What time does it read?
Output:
5:23
